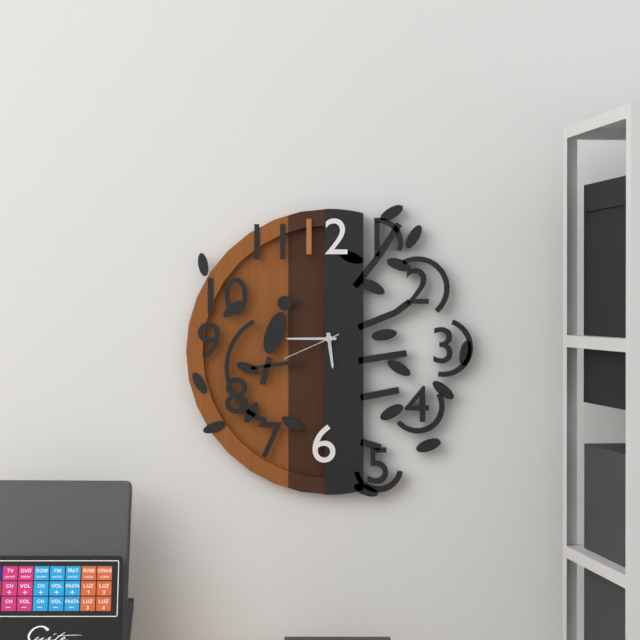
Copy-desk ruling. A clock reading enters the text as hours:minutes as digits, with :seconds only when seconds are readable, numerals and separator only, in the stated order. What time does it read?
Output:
5:45:41
